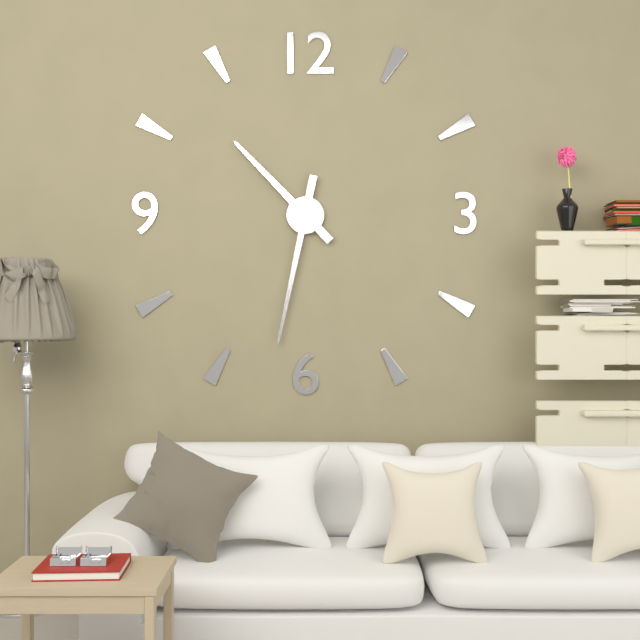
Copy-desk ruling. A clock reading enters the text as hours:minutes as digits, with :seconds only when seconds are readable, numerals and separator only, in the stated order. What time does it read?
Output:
10:32
